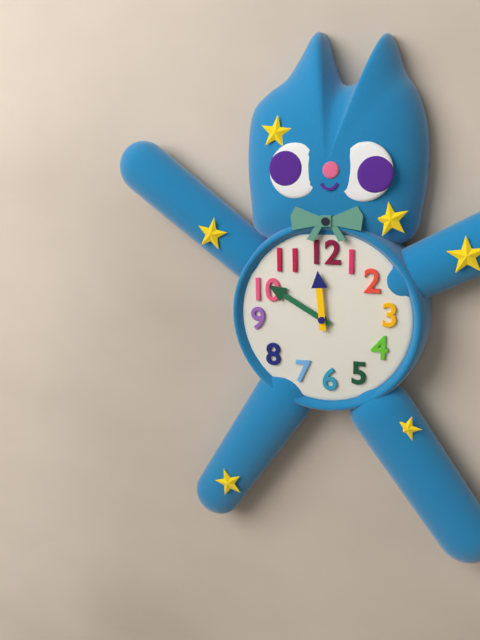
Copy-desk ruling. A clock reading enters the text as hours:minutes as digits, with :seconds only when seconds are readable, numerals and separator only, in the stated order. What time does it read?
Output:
11:50
